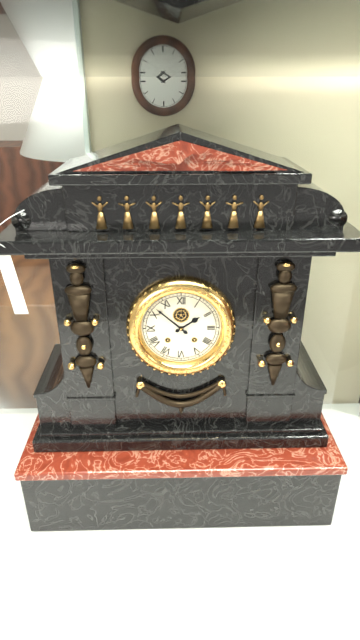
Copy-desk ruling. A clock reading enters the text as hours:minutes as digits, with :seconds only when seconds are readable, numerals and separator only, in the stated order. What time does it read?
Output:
1:52
